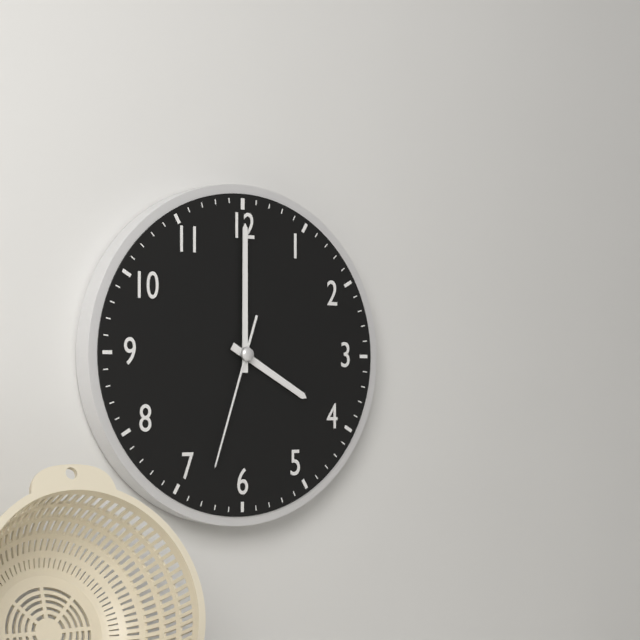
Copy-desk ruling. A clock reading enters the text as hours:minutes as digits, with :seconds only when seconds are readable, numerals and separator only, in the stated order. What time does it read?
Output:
4:00:33
